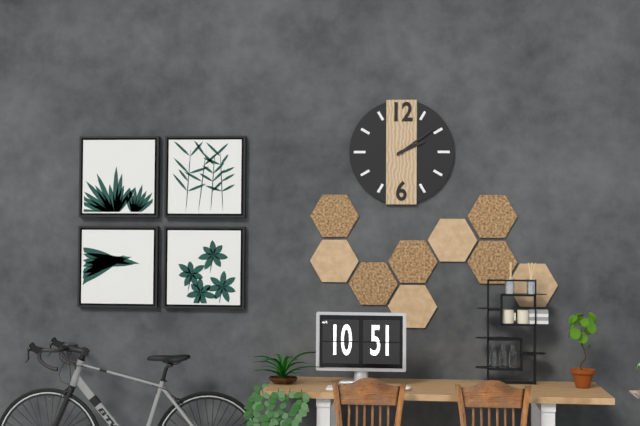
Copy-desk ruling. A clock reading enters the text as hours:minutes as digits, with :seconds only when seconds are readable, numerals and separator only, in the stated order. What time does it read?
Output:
2:09
